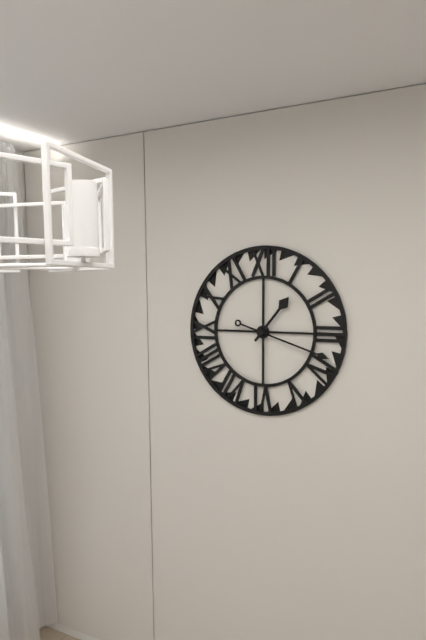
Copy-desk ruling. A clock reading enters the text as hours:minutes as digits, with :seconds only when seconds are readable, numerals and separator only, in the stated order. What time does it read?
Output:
1:18
